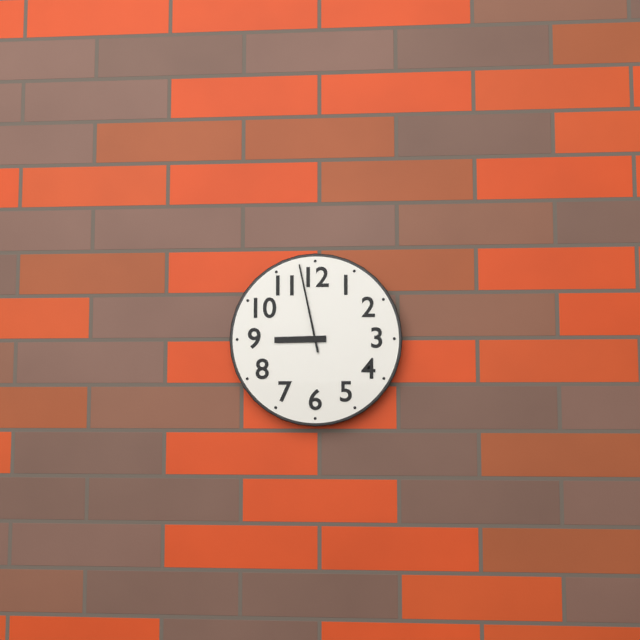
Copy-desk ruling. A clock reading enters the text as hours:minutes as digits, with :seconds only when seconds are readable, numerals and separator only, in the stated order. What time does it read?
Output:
8:58
